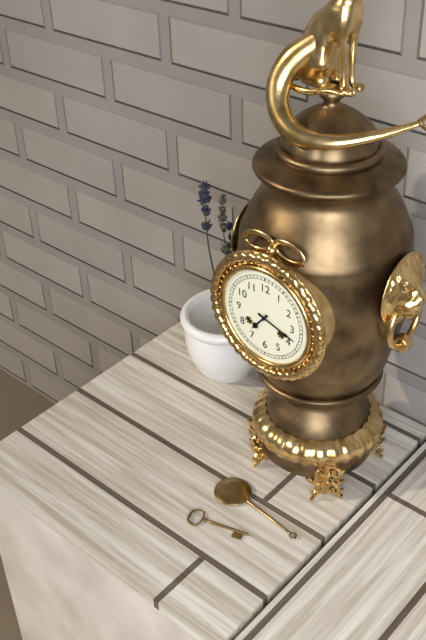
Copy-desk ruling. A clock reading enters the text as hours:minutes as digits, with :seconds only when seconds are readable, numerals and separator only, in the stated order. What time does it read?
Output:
7:18
